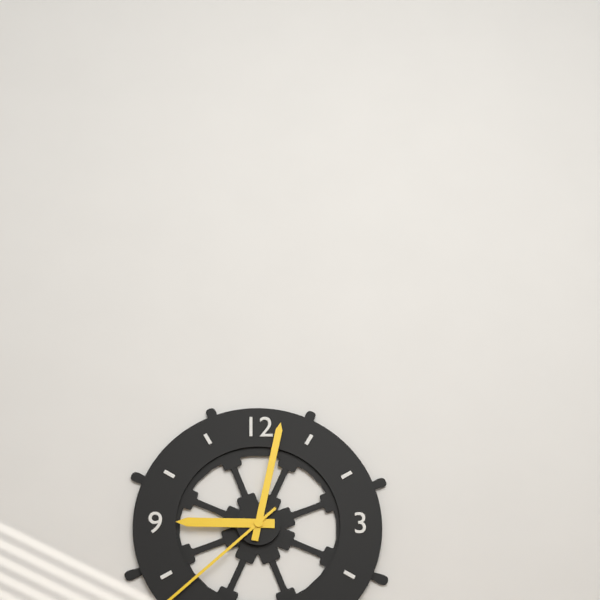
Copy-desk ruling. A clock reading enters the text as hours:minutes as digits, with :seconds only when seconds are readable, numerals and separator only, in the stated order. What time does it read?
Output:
9:02
